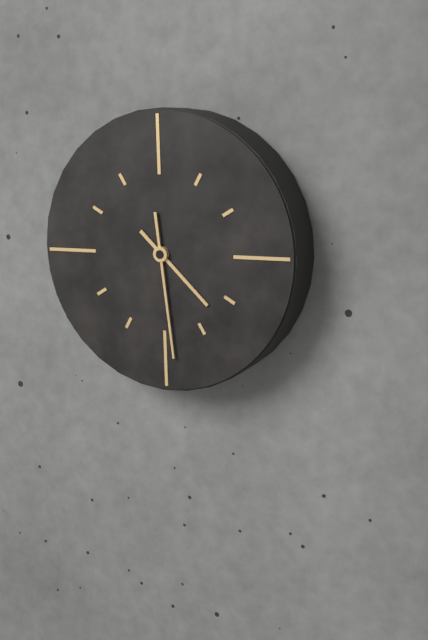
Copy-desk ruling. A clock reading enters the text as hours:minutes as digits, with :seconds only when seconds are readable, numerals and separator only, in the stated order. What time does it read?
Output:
4:29
